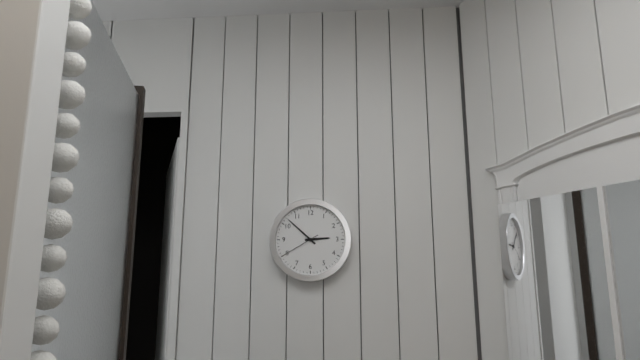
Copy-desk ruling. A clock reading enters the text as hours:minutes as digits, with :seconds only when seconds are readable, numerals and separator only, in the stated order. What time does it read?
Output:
2:52
